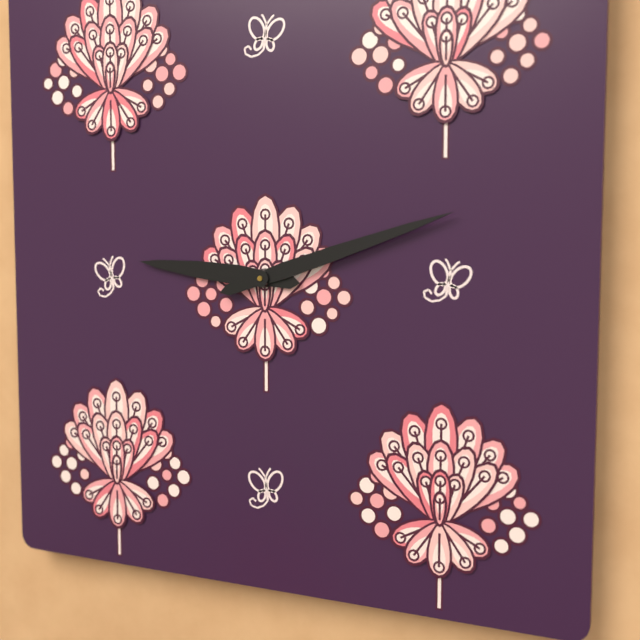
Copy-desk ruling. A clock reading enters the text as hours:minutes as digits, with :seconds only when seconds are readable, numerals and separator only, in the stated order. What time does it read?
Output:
9:12
